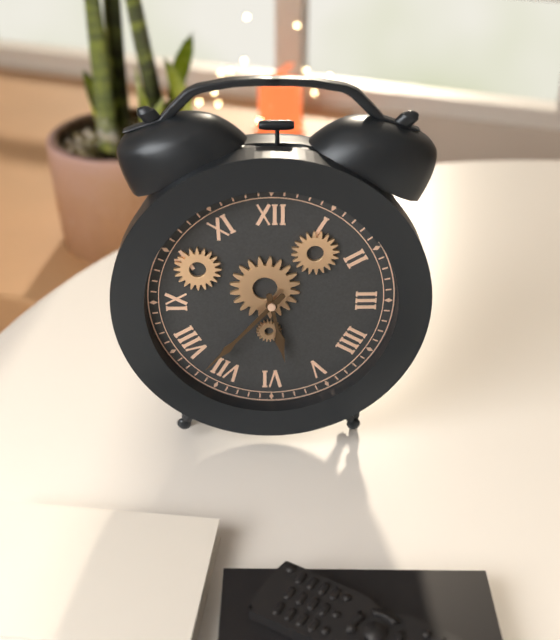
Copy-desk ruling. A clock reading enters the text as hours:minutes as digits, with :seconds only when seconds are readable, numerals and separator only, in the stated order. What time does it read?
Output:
5:37
